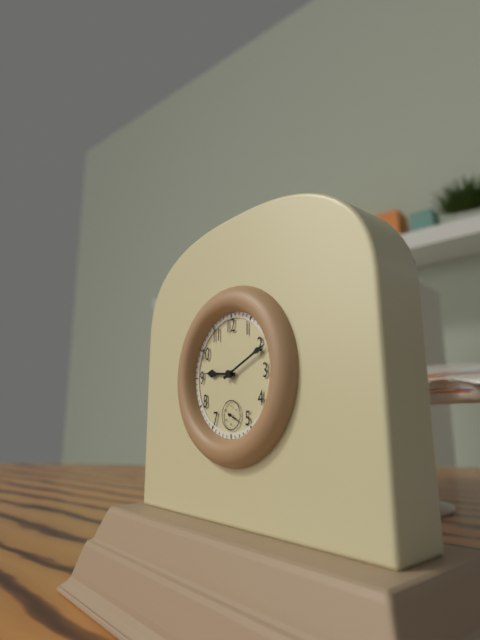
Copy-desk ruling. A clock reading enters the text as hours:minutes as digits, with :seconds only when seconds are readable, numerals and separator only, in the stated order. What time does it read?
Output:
9:11
